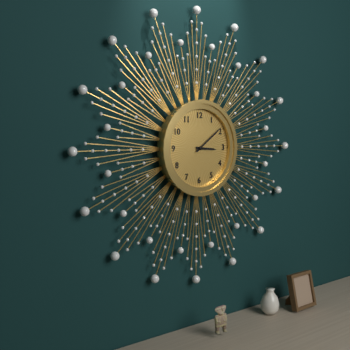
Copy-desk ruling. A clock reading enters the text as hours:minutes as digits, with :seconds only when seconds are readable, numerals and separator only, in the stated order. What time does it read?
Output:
3:09
